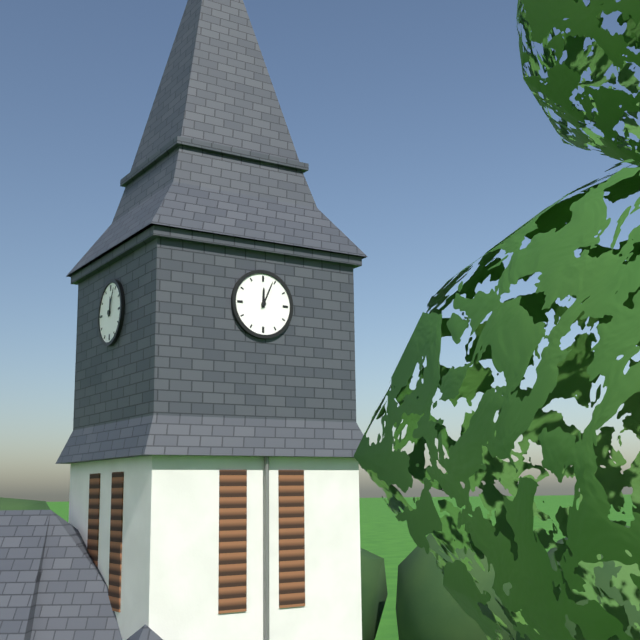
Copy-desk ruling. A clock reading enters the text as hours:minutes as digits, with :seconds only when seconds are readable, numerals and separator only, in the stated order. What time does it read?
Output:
12:04
